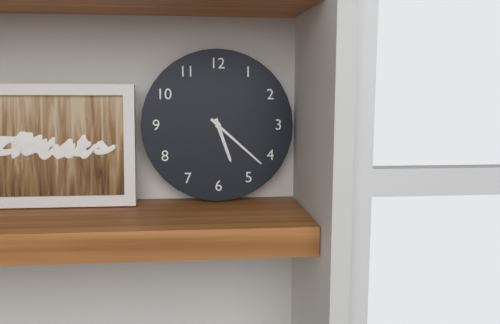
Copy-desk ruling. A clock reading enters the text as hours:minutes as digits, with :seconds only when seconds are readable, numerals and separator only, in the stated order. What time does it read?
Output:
5:22
